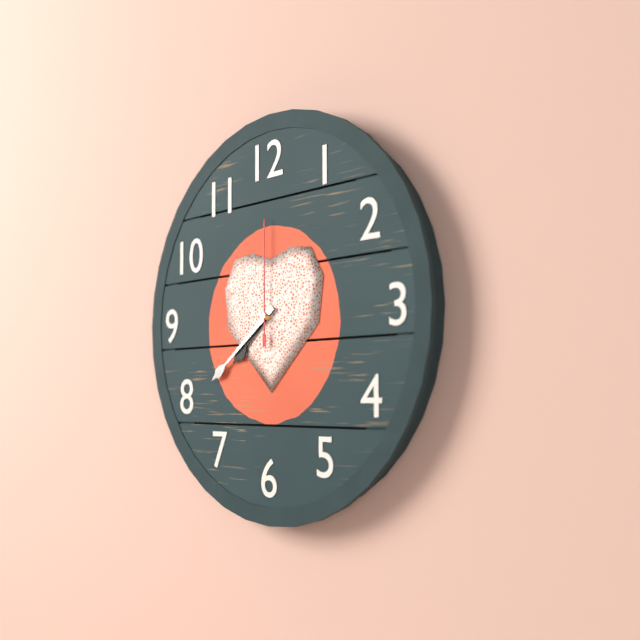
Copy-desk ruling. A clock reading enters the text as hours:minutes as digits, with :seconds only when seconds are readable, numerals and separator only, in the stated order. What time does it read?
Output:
7:39:00
